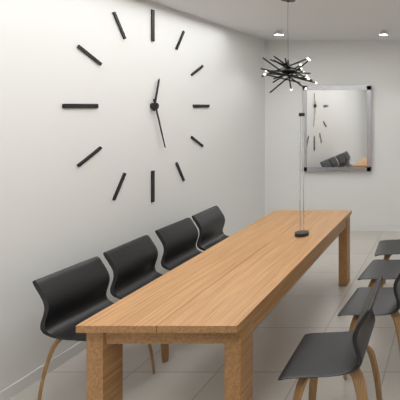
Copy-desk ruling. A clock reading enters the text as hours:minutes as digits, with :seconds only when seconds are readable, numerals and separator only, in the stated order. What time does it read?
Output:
12:27
